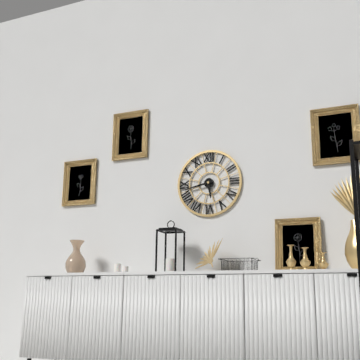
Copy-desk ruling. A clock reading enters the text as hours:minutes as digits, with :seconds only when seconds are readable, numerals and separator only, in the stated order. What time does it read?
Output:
5:43
